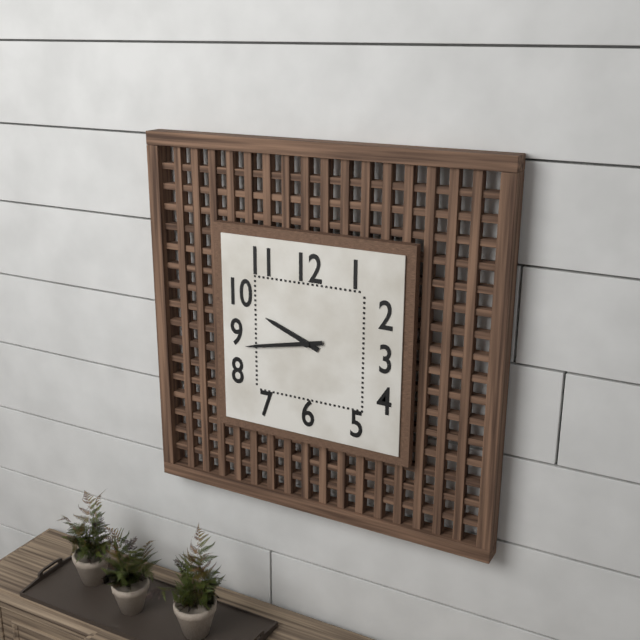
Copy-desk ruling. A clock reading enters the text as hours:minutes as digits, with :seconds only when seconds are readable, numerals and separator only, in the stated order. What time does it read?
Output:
9:43
